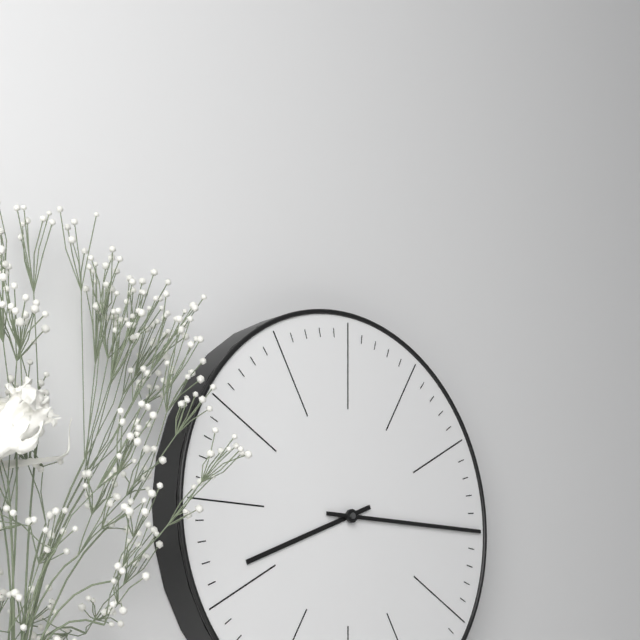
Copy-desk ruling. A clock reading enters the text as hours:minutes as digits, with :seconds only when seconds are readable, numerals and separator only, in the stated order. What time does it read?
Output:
8:15
